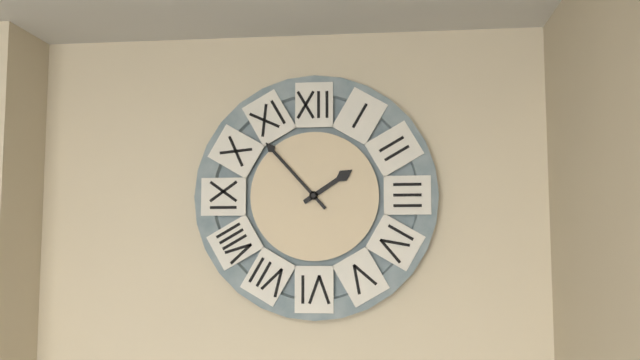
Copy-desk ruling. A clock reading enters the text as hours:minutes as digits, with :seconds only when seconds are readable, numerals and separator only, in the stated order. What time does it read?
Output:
1:53
